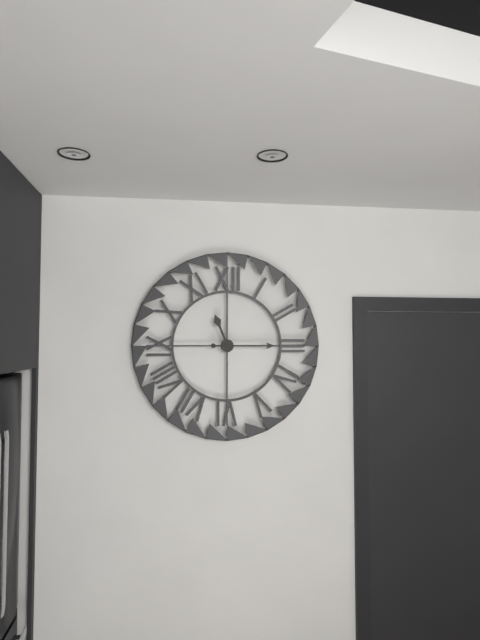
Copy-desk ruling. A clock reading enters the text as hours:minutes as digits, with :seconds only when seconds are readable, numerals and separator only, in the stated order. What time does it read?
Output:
11:15
